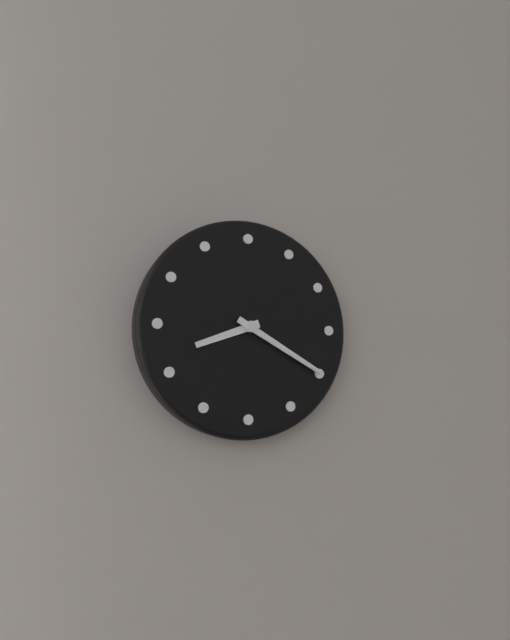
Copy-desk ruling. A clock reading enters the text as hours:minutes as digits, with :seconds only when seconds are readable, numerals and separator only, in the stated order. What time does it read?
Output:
8:20
